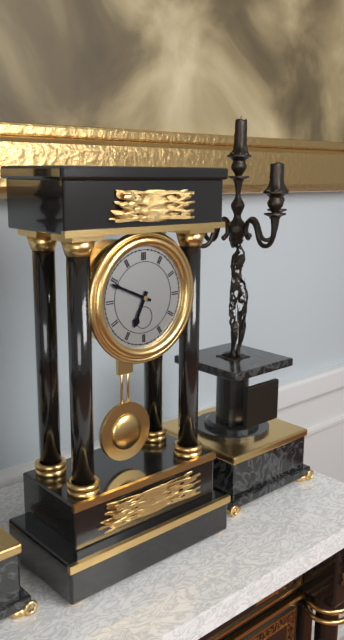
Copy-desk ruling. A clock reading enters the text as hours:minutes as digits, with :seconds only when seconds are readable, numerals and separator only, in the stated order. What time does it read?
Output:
6:49
